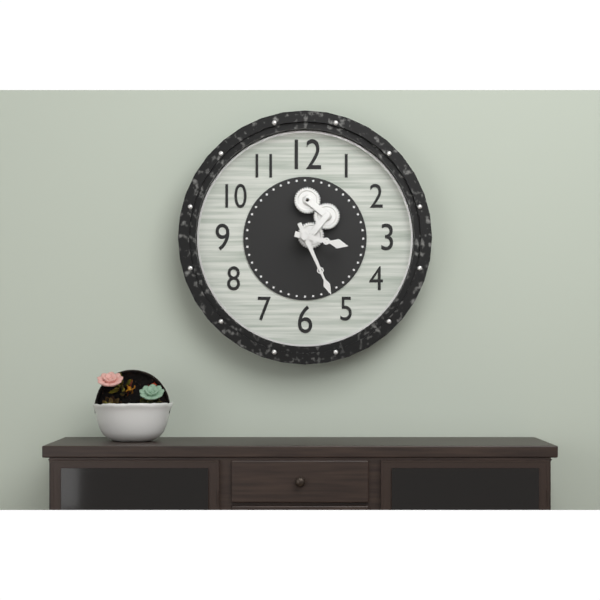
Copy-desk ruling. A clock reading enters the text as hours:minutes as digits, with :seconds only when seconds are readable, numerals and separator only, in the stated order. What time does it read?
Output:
3:26
